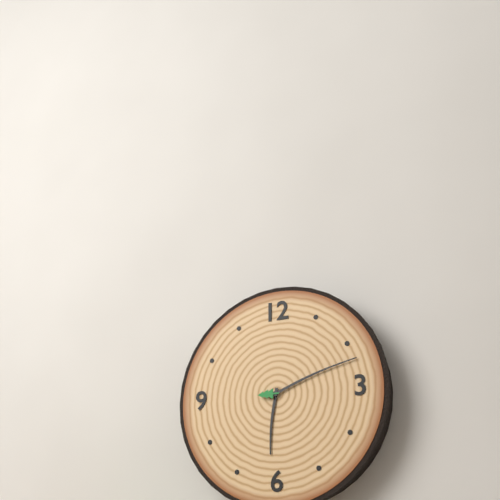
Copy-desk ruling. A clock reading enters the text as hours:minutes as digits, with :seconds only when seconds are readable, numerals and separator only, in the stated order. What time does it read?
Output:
6:12
